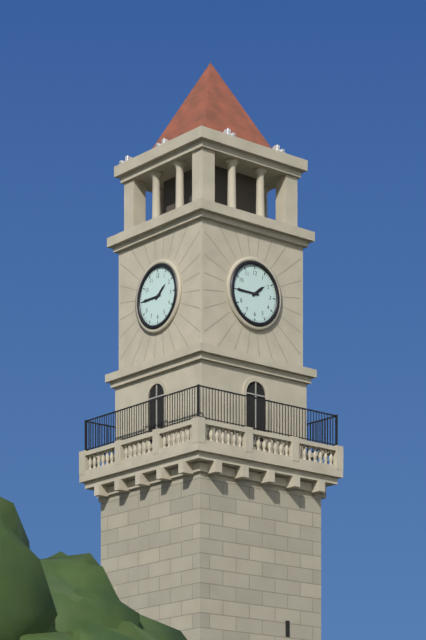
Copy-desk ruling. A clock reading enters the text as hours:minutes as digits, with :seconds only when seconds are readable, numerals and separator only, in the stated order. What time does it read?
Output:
1:45
